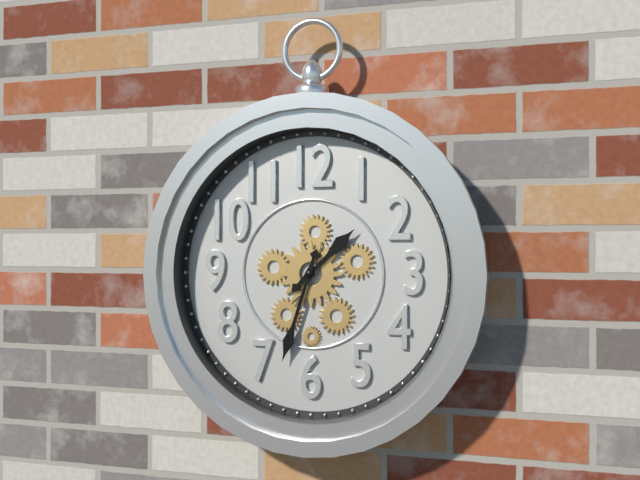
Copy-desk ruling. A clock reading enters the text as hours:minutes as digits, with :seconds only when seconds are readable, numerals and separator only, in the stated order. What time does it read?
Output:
1:33
